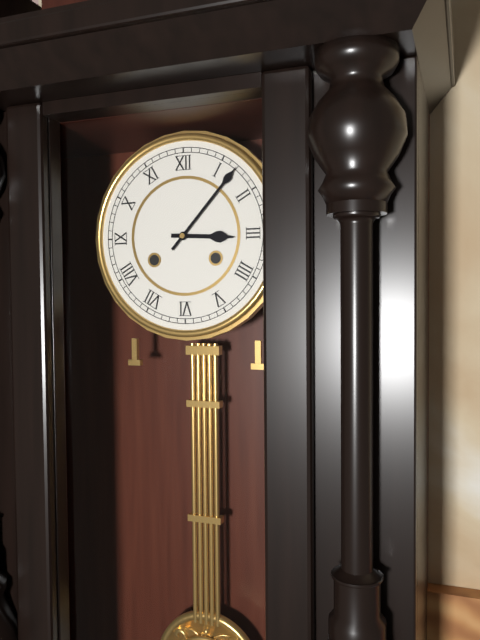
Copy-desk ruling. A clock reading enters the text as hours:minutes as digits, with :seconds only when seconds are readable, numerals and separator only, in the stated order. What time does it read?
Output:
3:07
